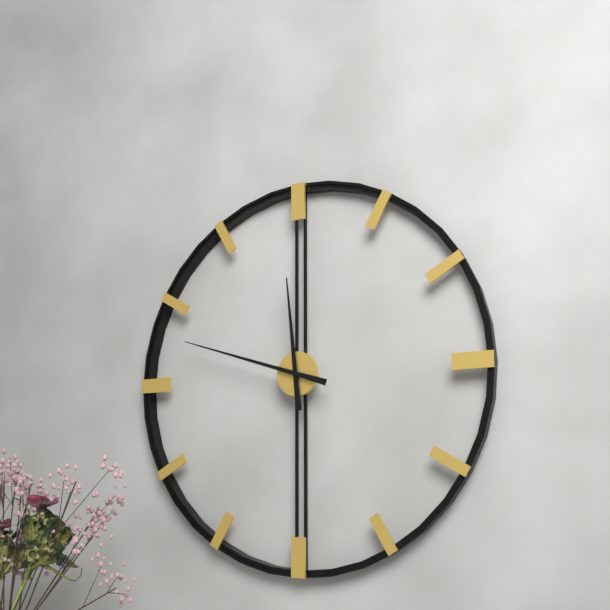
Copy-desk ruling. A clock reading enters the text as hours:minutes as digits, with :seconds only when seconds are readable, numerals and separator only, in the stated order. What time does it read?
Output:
11:48
